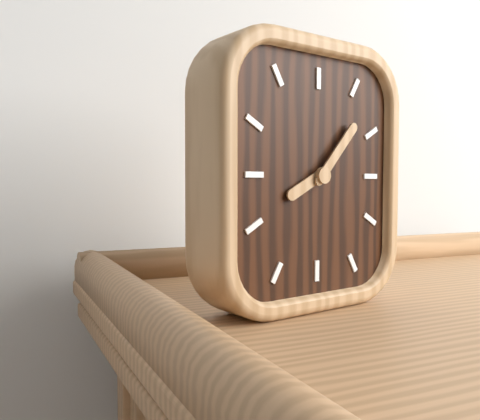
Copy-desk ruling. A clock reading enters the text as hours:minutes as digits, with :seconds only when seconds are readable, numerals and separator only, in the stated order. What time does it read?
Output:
8:07
